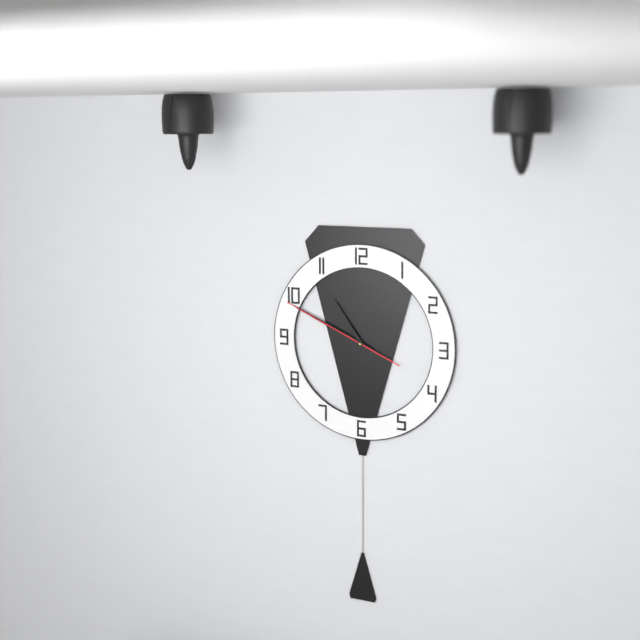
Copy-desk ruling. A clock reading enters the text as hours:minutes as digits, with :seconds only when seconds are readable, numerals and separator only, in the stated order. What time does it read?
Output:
10:49:49
